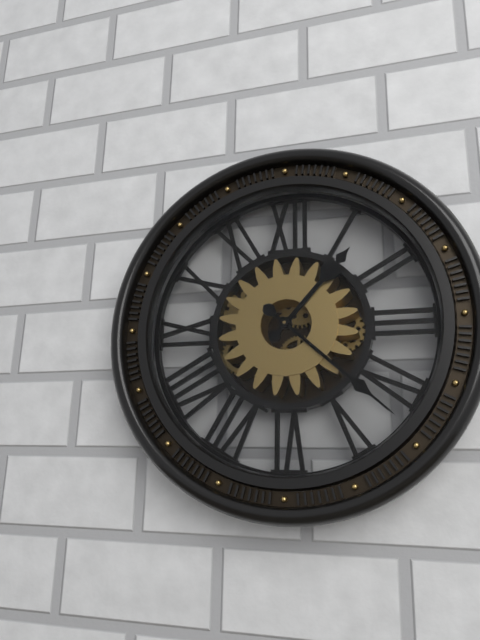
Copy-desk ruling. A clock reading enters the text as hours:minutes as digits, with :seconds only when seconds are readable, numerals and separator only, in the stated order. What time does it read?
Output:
1:22
